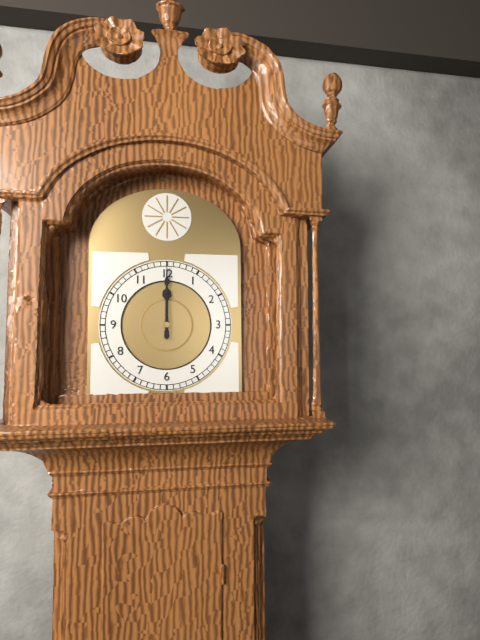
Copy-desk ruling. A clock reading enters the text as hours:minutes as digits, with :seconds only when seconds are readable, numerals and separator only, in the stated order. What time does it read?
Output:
12:00
